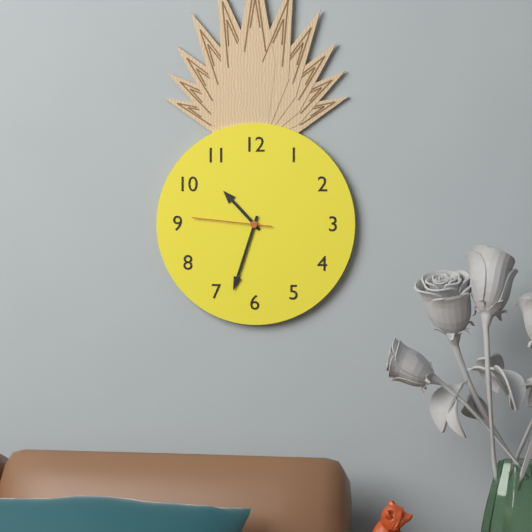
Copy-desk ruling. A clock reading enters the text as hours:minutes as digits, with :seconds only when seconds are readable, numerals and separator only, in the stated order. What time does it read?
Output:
10:33:46
